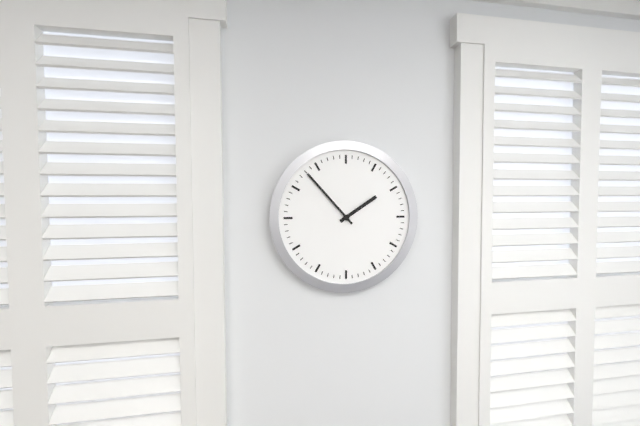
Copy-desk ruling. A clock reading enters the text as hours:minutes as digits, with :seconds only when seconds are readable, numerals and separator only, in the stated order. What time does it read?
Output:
1:53
